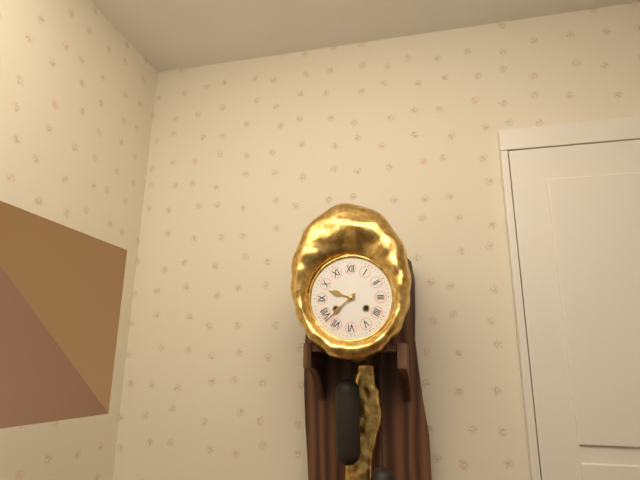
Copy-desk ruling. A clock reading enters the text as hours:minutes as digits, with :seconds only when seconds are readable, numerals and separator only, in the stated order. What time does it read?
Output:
9:38
